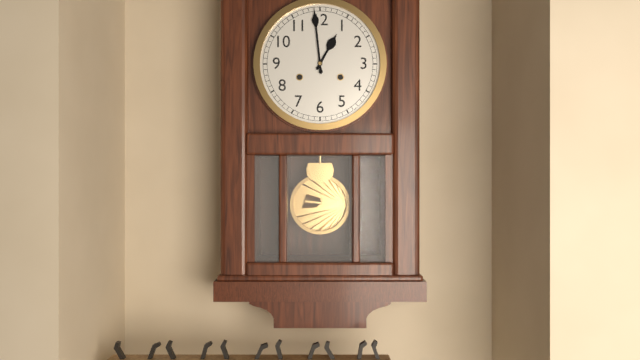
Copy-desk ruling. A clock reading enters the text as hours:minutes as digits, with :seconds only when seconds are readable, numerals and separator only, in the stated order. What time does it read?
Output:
12:59
